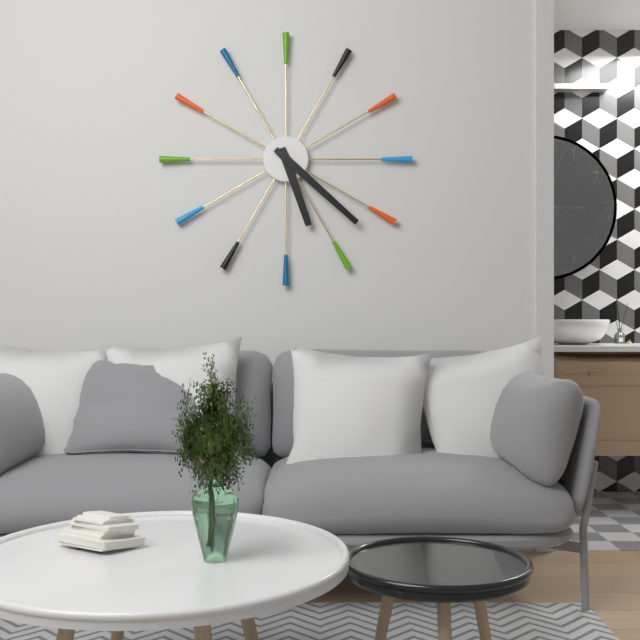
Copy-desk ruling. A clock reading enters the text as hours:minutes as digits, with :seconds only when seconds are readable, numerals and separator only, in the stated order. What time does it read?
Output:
5:22
